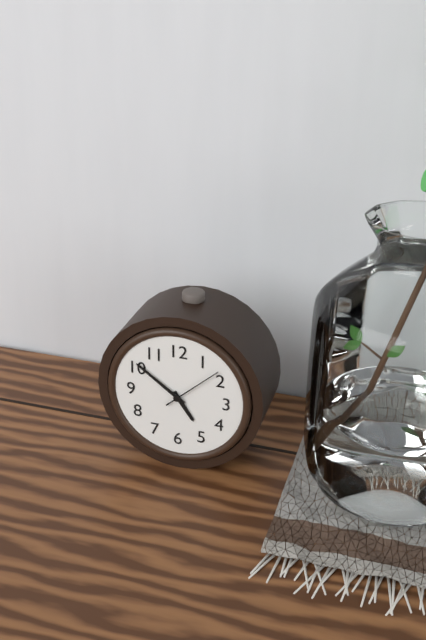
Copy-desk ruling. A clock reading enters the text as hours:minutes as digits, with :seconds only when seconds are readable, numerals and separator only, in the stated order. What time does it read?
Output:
4:51:08
